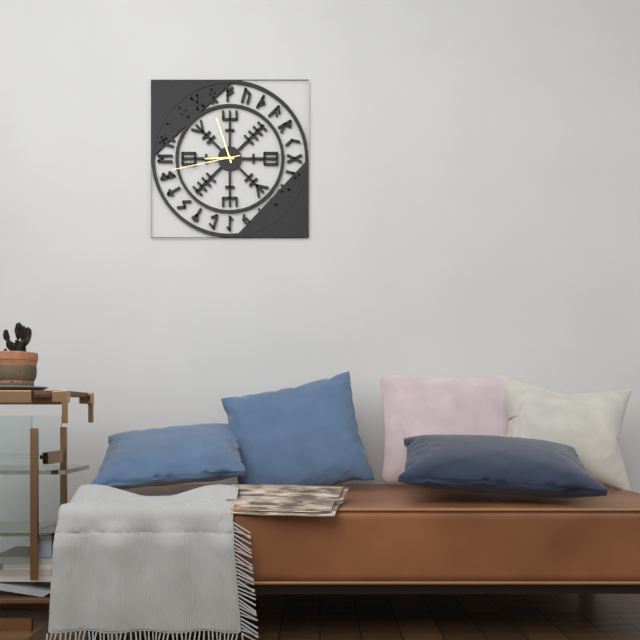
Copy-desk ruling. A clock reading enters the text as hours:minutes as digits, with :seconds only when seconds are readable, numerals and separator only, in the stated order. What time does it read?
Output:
8:57:43
